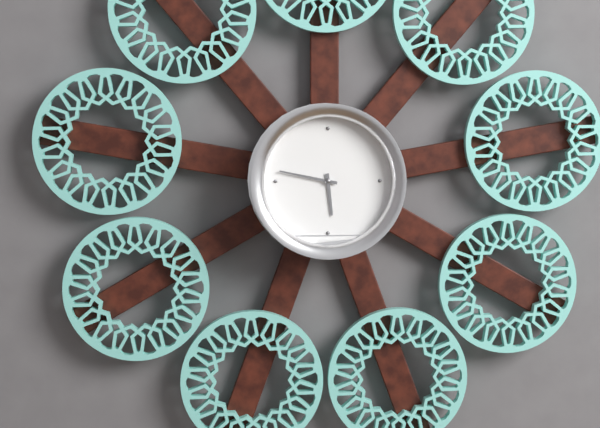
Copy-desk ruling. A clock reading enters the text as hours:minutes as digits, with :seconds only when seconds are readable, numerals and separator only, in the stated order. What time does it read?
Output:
5:47
